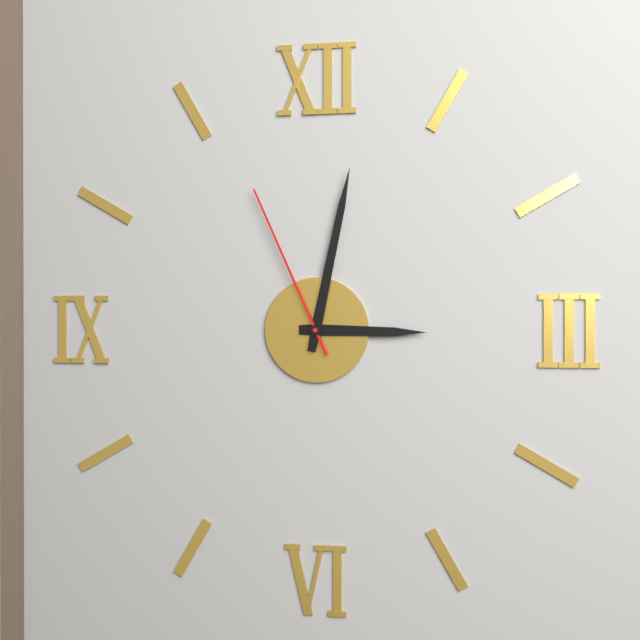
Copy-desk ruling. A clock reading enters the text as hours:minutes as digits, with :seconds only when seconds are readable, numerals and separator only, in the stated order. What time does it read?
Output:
3:02:56
